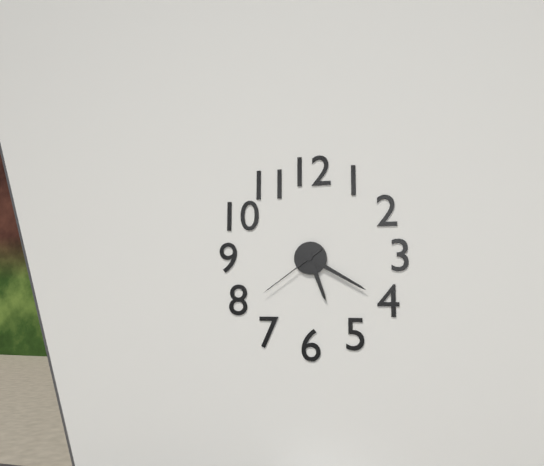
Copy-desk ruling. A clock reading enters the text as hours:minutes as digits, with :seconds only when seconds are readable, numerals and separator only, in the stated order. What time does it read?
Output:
5:20:39
